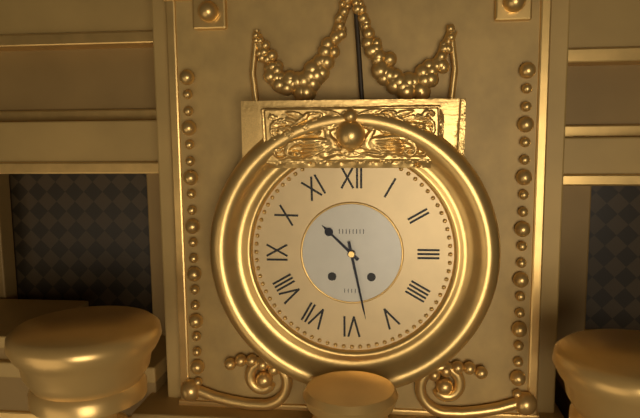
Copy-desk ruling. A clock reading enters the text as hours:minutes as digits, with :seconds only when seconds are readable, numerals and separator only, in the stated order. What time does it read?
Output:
10:28
